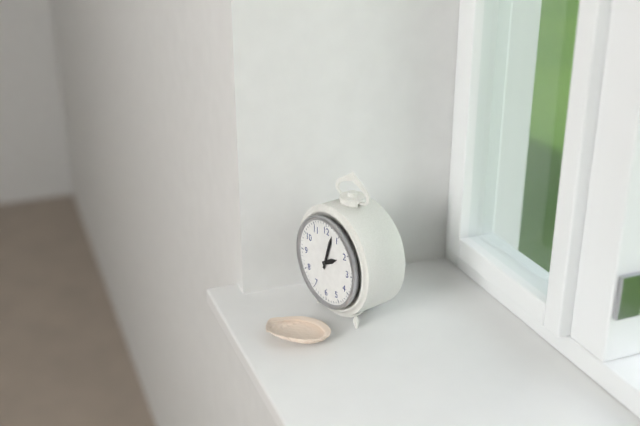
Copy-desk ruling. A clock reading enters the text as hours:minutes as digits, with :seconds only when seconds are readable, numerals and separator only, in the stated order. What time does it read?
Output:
2:03
